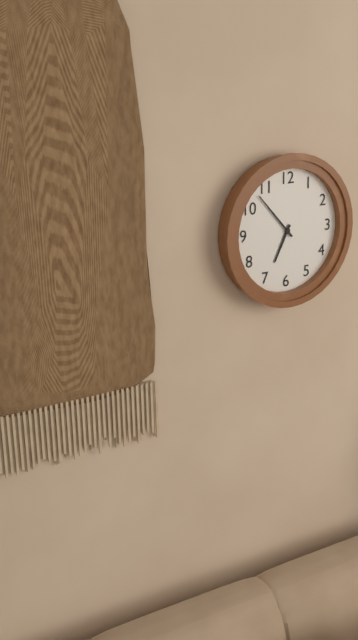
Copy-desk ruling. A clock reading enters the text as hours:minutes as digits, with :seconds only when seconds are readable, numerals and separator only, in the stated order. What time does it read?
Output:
6:53
